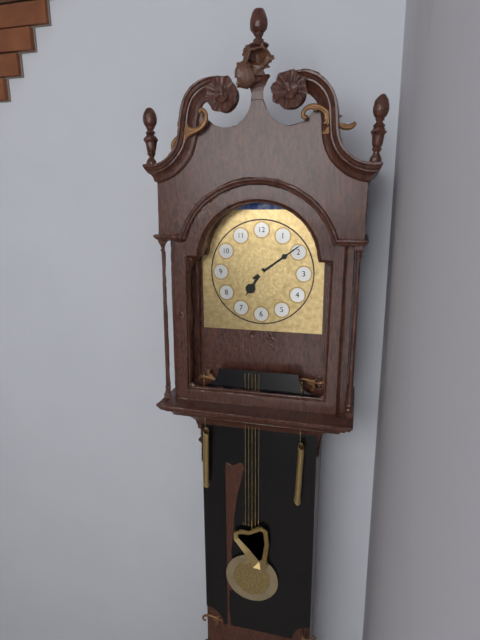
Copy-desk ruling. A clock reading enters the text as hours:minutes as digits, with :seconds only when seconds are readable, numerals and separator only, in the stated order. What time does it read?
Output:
7:09
